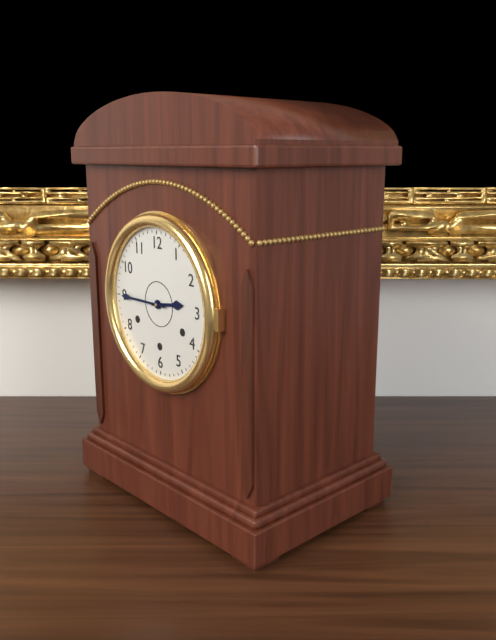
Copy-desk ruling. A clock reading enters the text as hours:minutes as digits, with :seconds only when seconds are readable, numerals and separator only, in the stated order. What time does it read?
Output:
2:45
